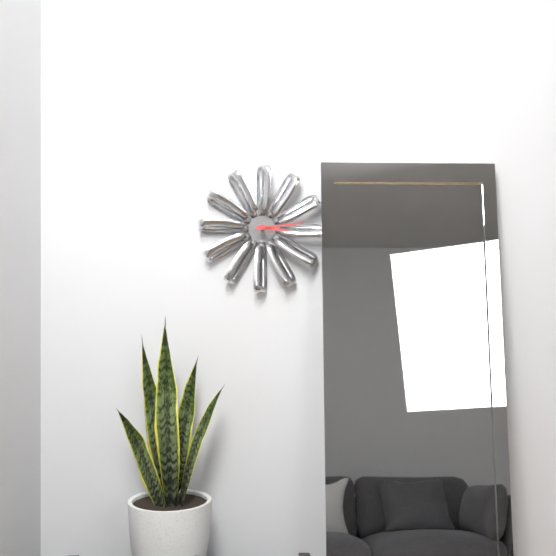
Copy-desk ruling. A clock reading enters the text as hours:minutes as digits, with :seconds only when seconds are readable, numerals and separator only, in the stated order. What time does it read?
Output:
3:14
